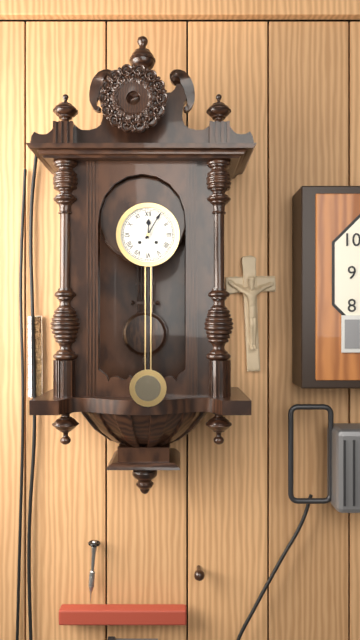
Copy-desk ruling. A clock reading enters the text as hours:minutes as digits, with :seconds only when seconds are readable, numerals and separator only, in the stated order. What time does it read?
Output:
12:05
